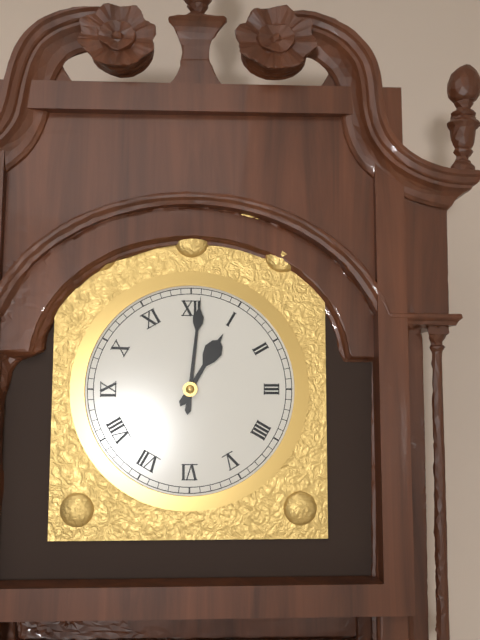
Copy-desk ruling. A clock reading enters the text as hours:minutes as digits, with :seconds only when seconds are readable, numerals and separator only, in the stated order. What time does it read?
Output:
1:01
